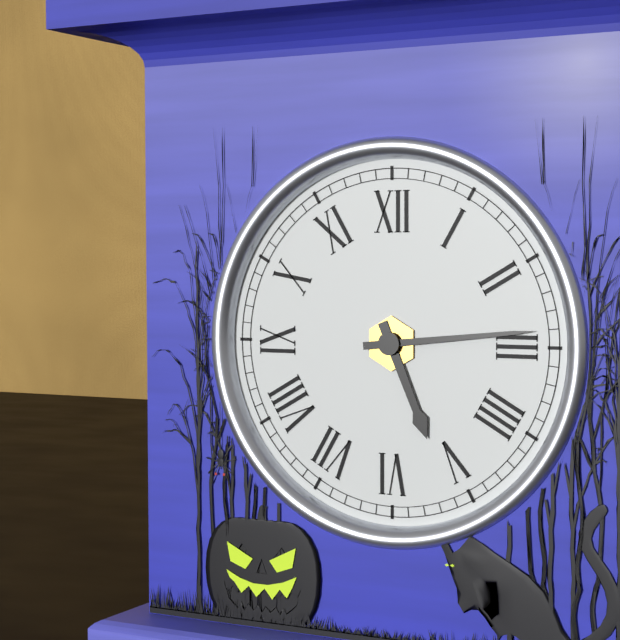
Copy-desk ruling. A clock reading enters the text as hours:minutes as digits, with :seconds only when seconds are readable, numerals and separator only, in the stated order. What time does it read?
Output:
5:14
